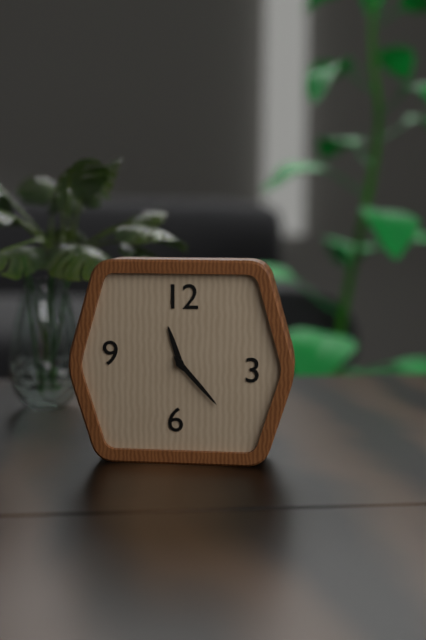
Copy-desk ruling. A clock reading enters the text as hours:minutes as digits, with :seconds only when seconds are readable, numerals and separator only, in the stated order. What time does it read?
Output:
11:23
